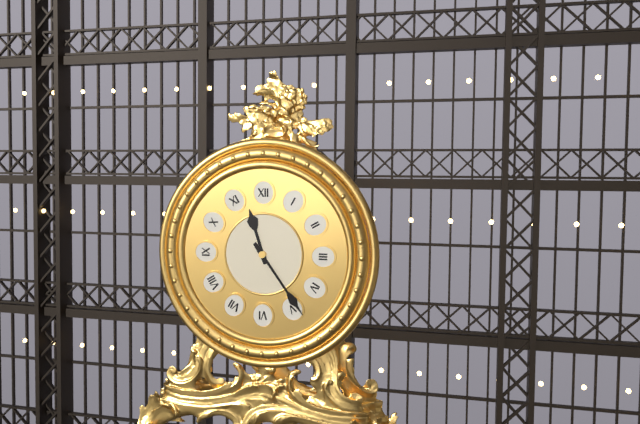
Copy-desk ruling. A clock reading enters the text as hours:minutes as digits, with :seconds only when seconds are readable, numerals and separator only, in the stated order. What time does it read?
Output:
11:24
